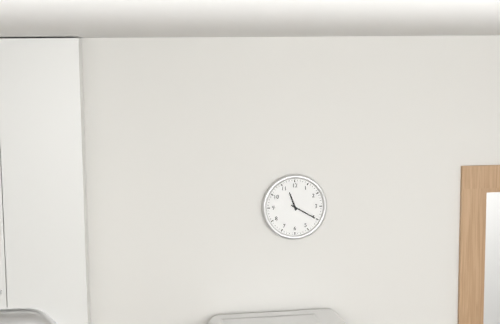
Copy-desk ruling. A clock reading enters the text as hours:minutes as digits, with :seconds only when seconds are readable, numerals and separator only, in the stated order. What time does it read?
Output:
11:20
